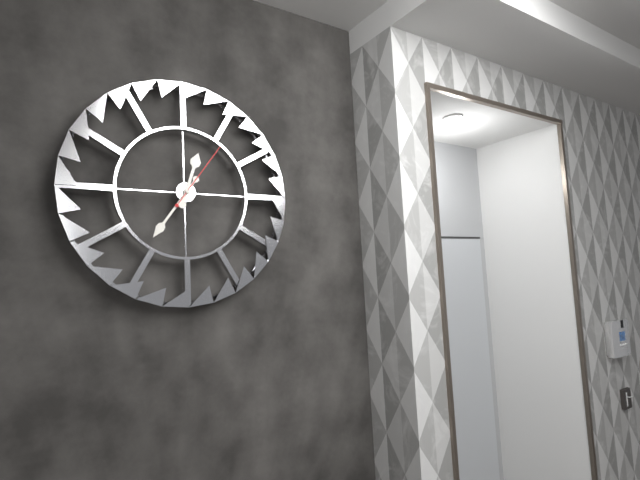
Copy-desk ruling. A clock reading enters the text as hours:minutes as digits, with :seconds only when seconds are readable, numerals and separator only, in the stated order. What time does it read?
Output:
12:36:06
